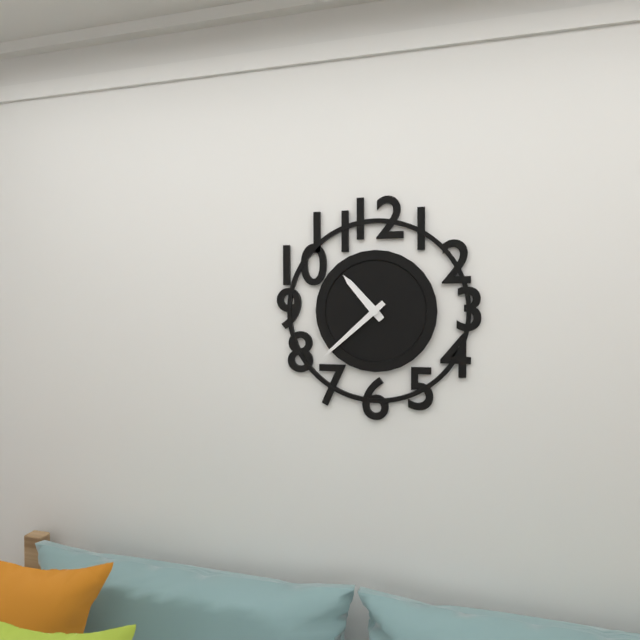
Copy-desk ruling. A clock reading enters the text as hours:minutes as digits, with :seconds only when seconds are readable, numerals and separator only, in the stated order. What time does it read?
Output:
10:38
